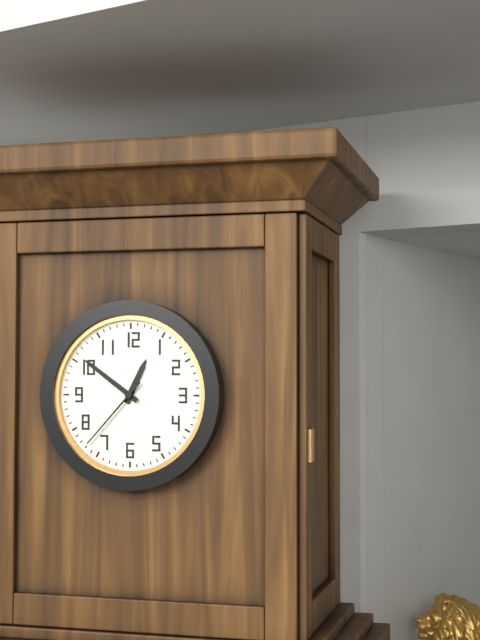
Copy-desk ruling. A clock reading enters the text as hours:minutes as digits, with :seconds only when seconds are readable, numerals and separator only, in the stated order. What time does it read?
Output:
12:51:37
